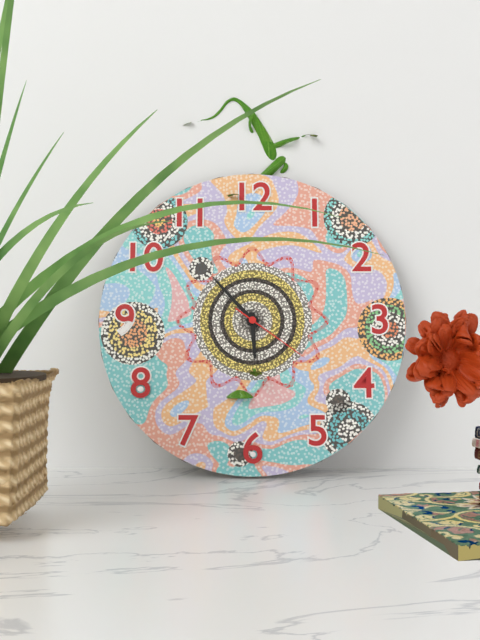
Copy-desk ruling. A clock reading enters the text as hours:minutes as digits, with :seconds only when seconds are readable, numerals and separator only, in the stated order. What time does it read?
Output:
5:53:21
